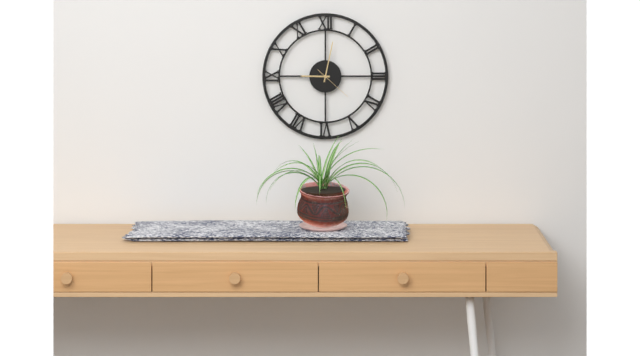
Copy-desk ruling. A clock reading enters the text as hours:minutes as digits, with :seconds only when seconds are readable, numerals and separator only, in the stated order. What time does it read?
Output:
9:02
